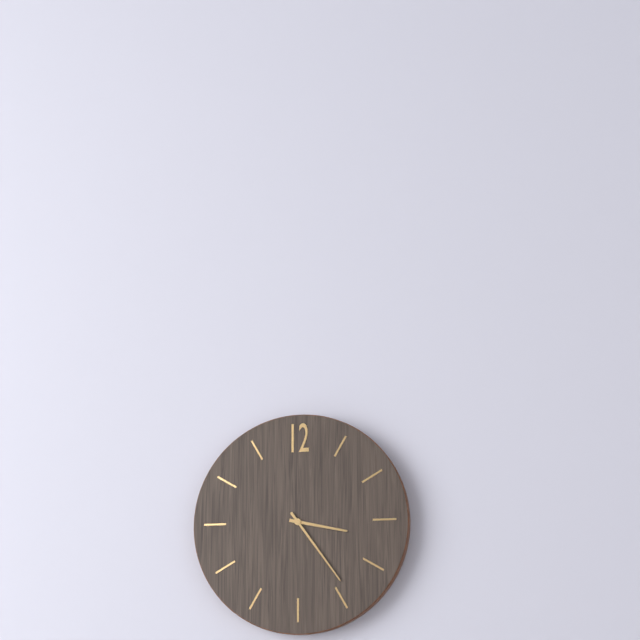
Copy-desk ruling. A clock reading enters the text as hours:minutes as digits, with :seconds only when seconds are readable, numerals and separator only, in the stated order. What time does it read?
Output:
3:24
